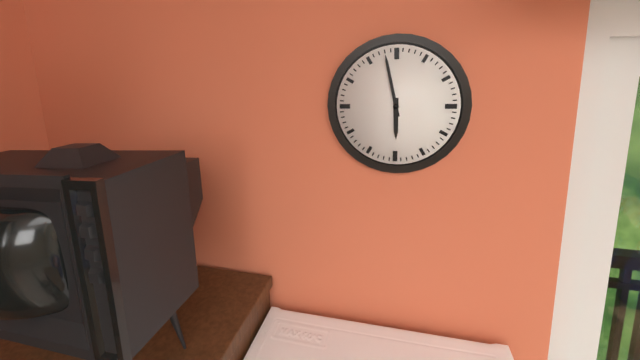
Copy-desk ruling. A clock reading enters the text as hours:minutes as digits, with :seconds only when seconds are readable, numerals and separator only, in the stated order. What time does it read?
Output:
5:58
